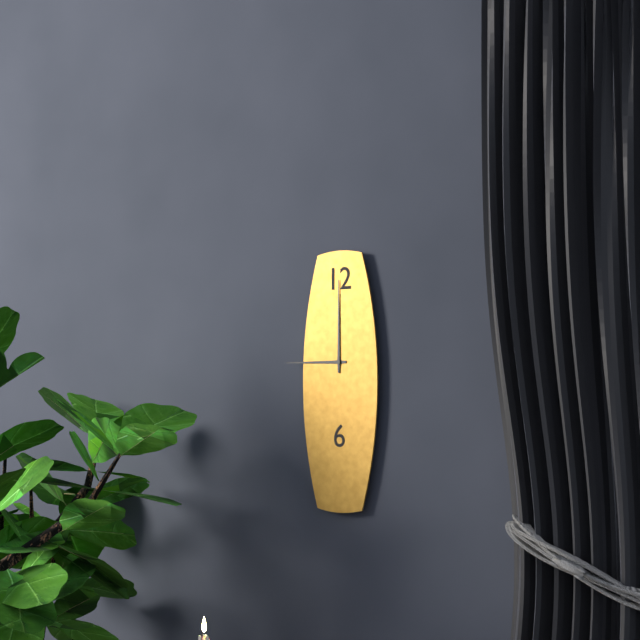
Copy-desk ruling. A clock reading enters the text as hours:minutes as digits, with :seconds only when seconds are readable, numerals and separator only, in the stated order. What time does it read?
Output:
9:00
